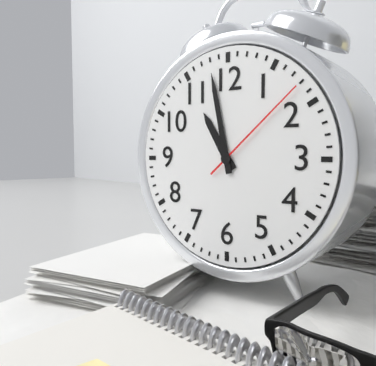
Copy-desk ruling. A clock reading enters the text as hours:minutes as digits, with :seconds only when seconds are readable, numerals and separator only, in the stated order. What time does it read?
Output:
10:58:08
